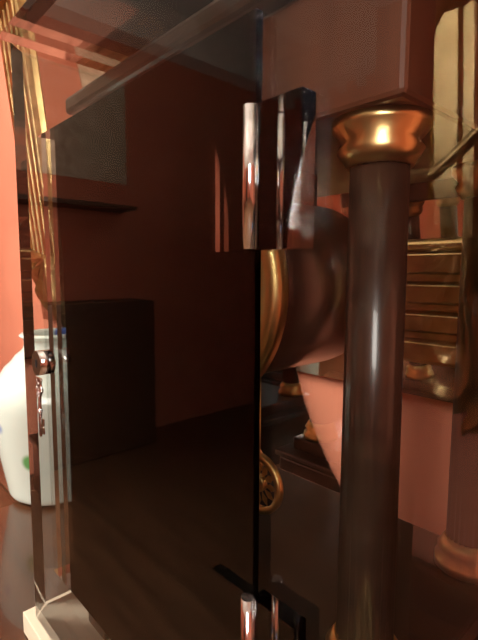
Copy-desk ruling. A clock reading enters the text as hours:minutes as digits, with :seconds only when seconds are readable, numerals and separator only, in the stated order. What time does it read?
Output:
12:50
